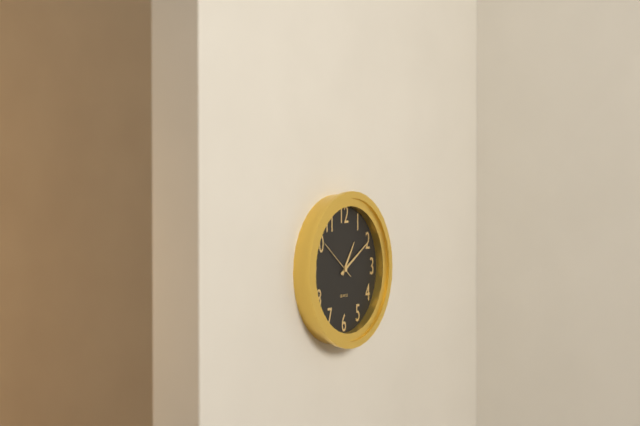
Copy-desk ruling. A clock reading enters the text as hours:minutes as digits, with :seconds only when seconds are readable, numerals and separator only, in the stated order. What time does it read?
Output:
1:10
